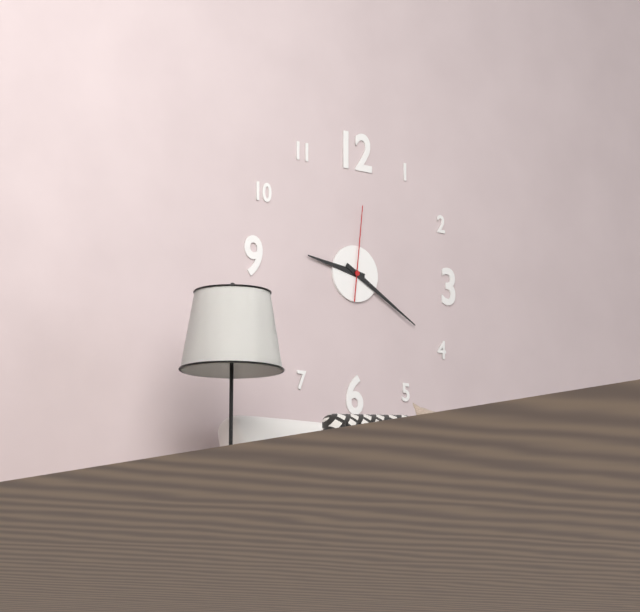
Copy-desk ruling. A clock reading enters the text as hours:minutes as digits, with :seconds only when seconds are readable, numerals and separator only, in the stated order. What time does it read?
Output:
9:20:01
